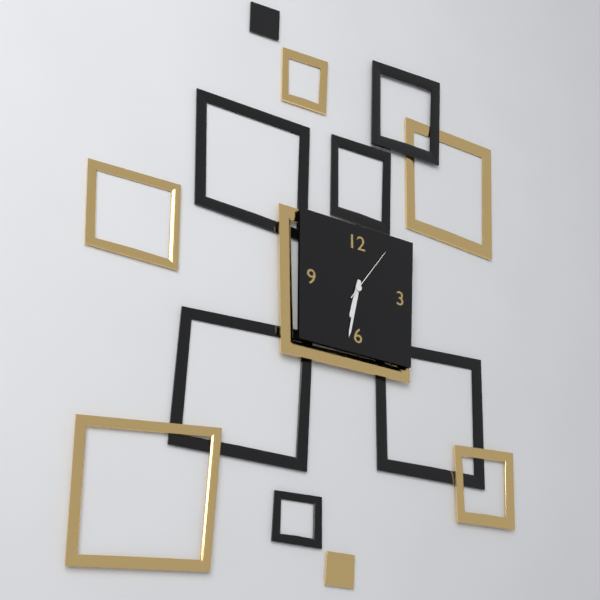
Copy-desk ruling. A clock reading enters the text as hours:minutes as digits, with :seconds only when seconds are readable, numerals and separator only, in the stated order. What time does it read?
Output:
6:32:06
